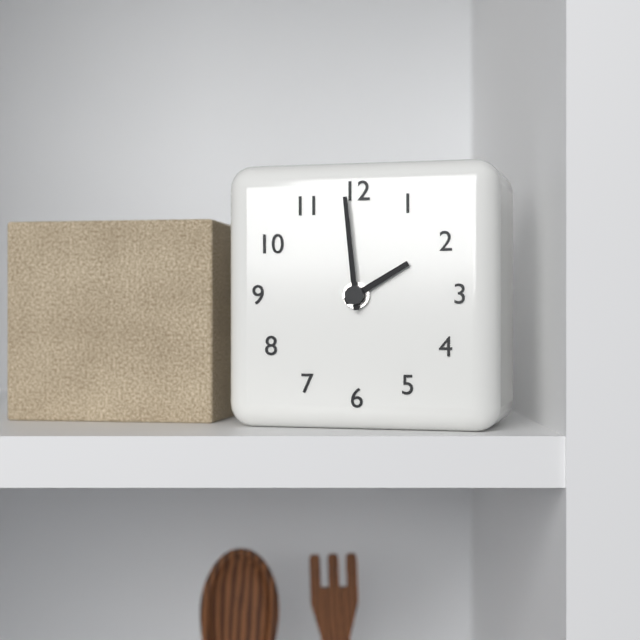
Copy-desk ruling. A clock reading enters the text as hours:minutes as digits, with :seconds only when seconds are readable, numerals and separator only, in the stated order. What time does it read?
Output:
1:59
